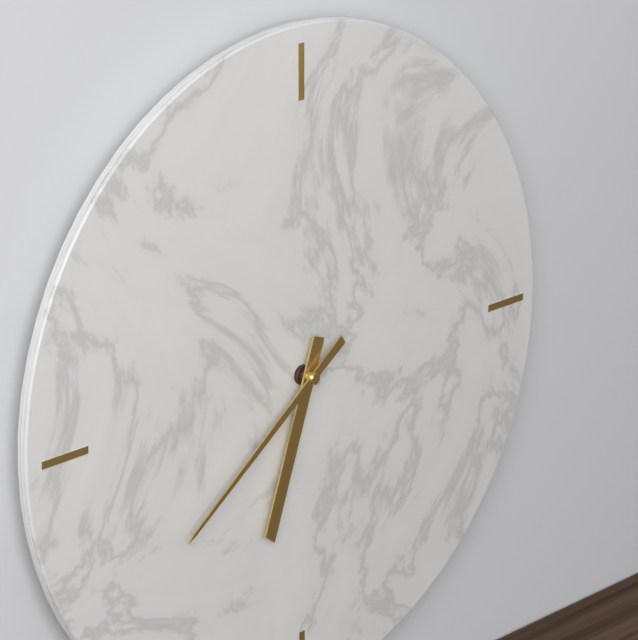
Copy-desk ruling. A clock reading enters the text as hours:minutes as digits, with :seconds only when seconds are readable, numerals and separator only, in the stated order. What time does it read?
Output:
6:39
